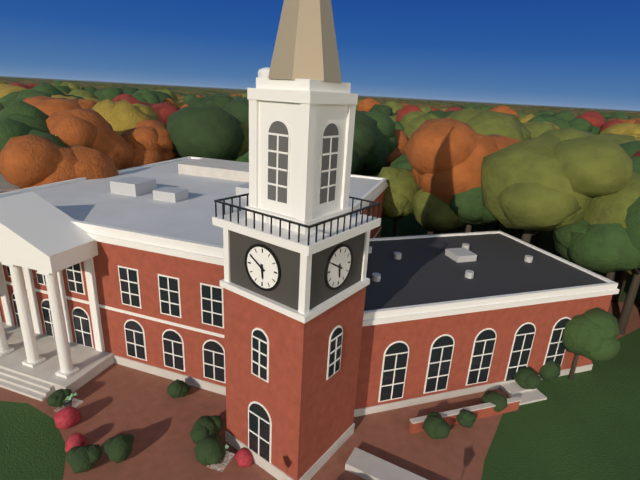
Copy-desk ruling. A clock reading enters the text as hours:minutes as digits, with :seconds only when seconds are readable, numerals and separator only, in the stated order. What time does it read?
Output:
5:50
